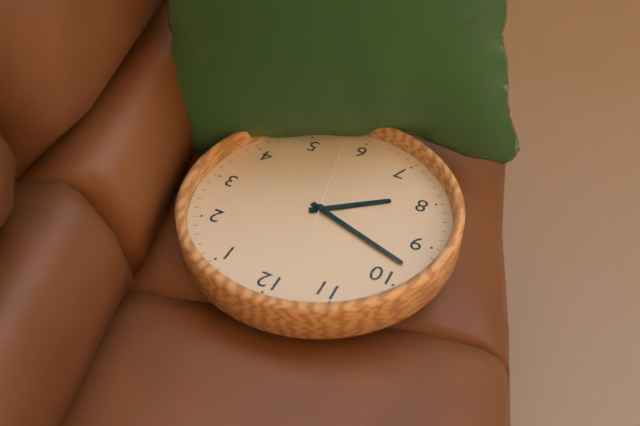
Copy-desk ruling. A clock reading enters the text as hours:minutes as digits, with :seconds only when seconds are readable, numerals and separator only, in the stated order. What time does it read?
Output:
7:48:28
